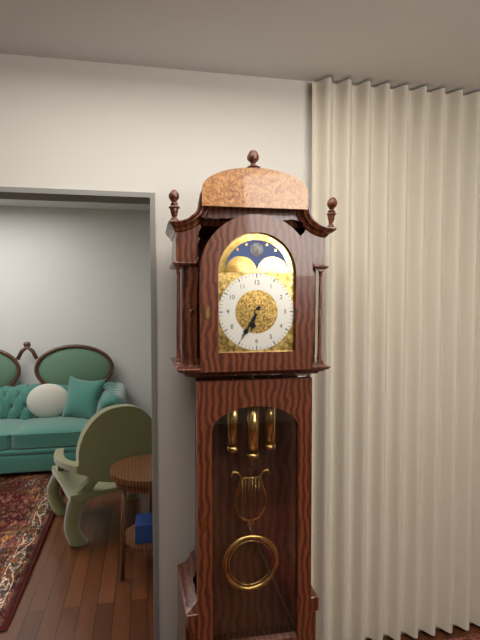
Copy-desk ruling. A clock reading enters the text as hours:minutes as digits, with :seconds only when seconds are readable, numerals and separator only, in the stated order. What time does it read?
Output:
6:35
